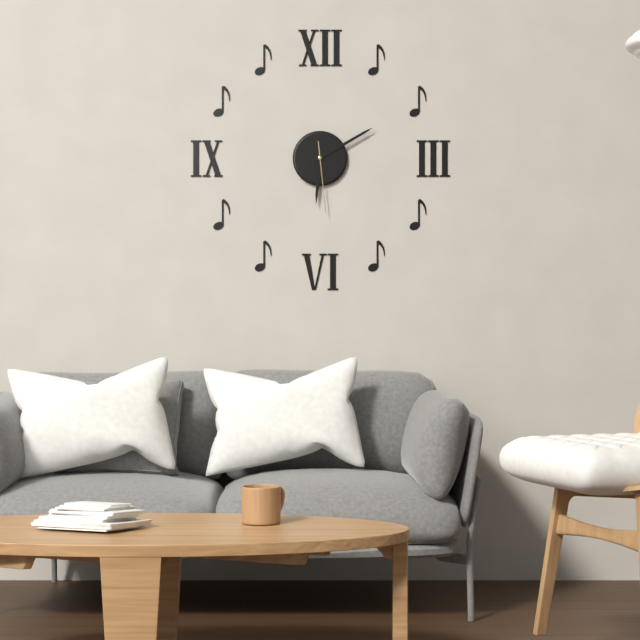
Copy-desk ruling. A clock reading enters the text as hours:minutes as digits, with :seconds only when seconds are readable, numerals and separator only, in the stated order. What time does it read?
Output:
6:10:29
